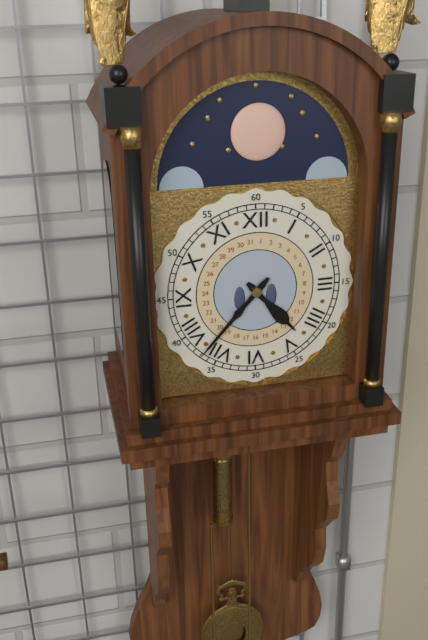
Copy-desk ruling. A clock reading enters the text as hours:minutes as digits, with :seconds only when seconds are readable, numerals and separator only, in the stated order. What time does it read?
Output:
4:37
